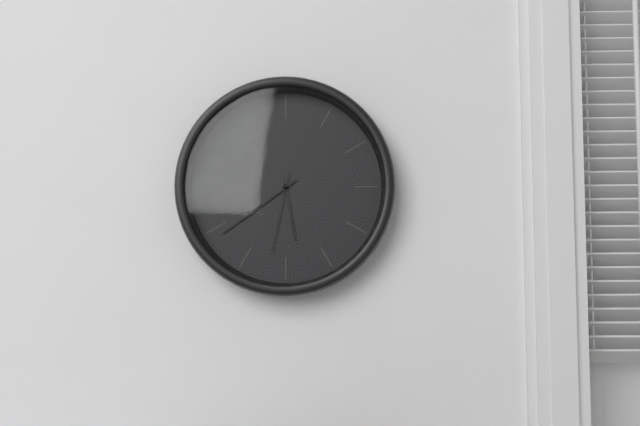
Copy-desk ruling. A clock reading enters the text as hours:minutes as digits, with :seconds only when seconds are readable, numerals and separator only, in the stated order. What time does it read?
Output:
5:39:32
